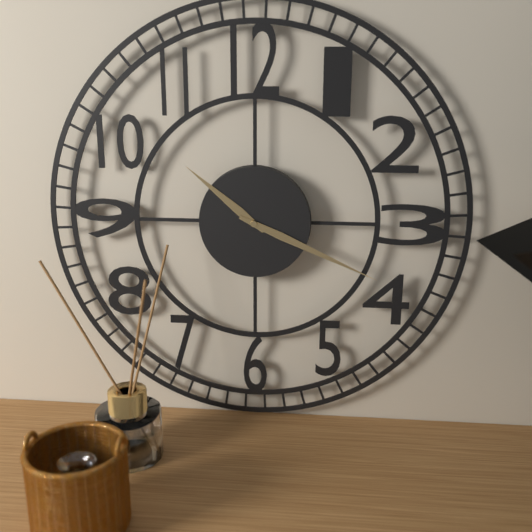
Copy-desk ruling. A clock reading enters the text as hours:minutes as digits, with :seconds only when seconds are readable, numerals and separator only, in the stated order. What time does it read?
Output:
10:19
